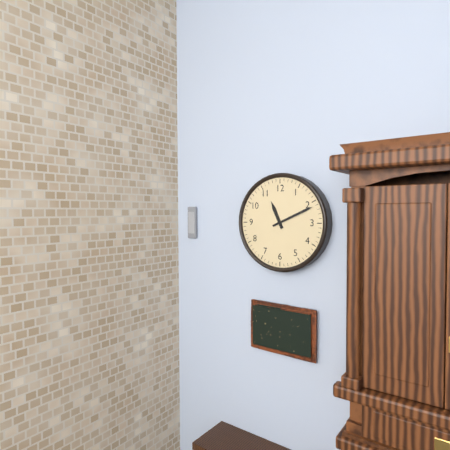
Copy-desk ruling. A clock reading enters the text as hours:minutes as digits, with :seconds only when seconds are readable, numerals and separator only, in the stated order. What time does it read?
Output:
11:11
